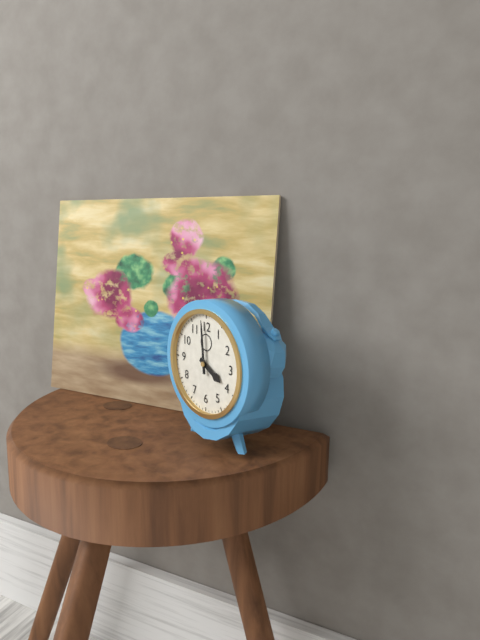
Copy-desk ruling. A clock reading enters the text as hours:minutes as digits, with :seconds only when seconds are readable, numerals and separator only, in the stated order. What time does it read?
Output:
3:59
